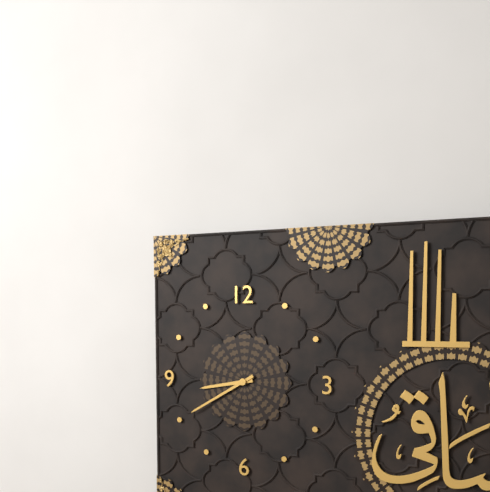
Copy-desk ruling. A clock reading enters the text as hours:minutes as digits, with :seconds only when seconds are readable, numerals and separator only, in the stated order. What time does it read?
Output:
8:40
